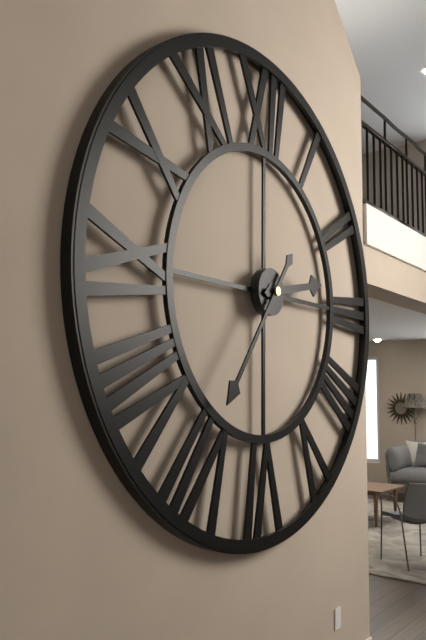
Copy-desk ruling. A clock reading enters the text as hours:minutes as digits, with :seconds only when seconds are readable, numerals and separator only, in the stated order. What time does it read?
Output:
2:36
